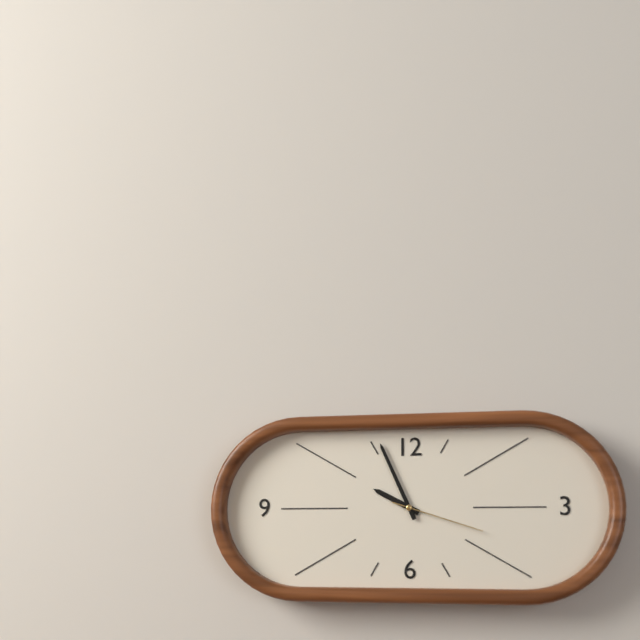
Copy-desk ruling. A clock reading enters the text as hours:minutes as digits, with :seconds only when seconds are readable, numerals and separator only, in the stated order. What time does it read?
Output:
9:56:18
